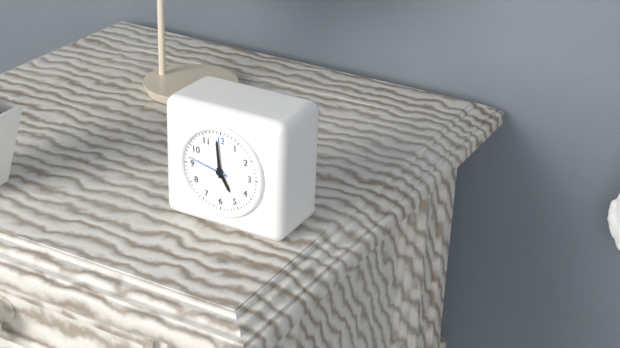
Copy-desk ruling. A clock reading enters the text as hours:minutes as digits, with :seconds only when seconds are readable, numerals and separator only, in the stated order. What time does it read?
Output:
4:59
